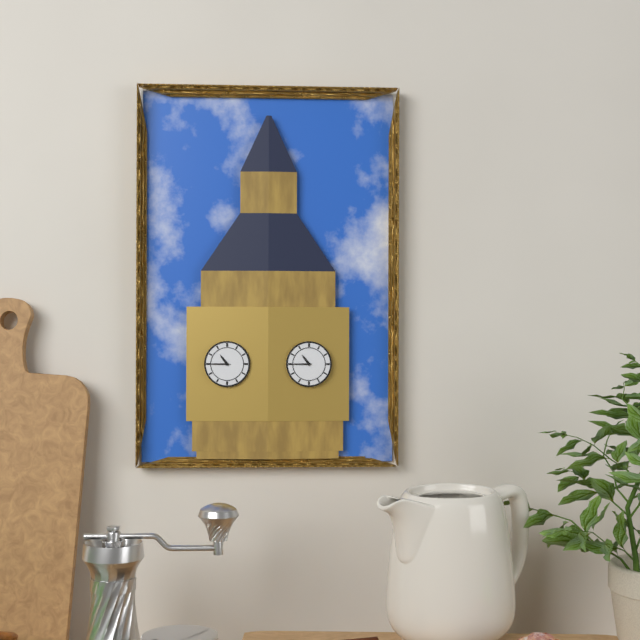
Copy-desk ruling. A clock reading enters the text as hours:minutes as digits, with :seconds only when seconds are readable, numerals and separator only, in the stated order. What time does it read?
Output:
10:45
